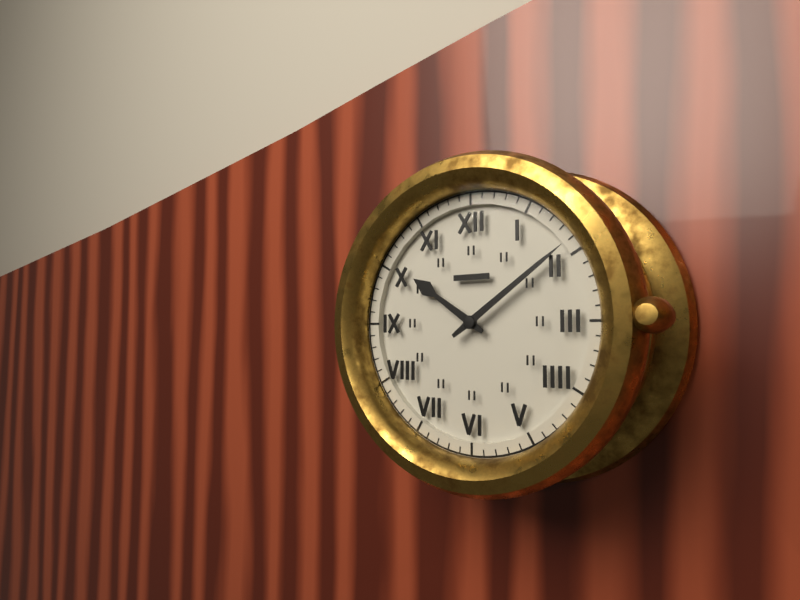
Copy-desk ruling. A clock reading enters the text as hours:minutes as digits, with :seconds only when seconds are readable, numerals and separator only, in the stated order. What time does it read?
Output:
10:09
